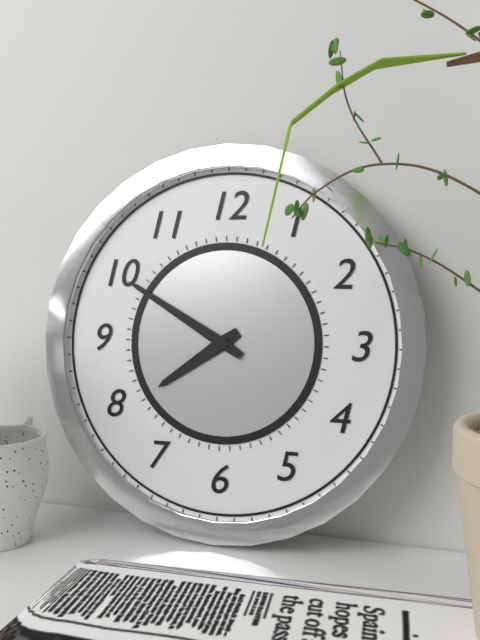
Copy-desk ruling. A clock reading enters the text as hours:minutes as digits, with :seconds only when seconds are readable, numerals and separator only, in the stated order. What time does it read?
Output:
7:50
